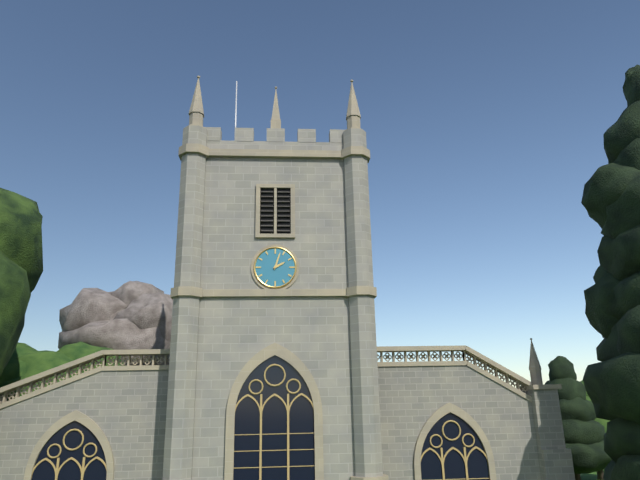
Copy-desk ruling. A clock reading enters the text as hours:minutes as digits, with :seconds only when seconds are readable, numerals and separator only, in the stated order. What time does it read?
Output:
2:03
